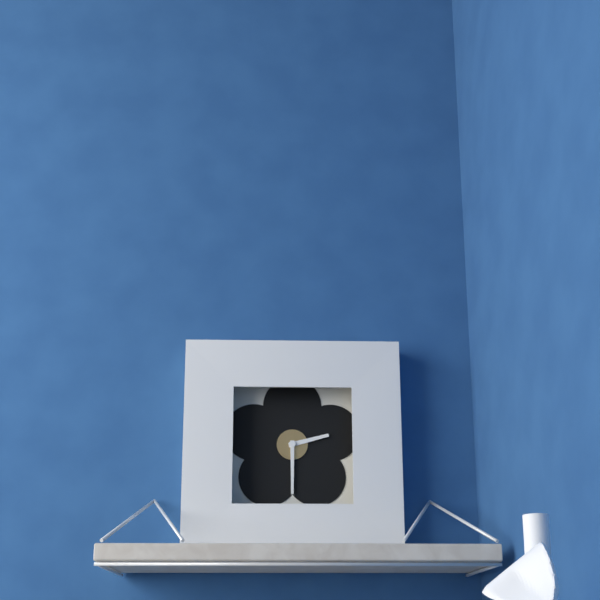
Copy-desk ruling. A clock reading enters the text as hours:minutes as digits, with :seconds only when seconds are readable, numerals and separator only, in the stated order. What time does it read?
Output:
2:30
